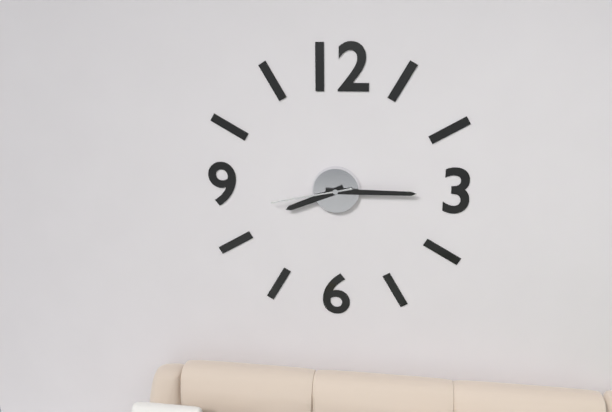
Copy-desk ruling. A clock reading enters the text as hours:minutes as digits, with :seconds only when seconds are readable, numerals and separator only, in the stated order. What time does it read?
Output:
8:15:43
